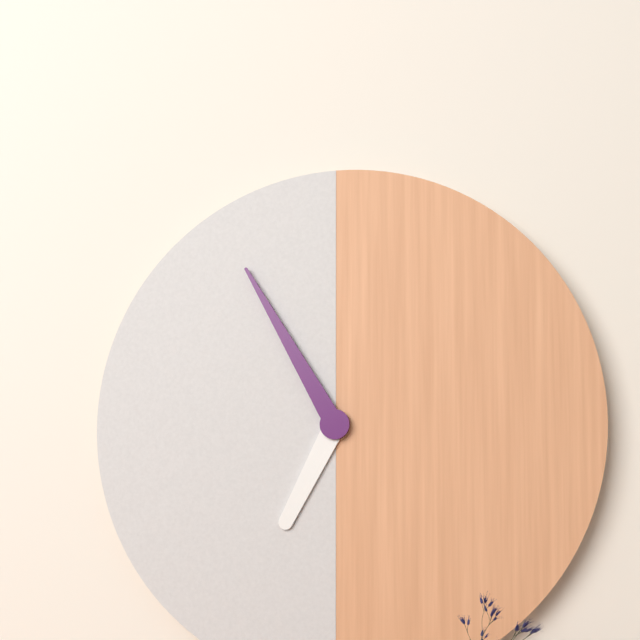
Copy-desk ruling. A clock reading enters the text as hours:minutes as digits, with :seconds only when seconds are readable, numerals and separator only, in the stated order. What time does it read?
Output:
6:55
